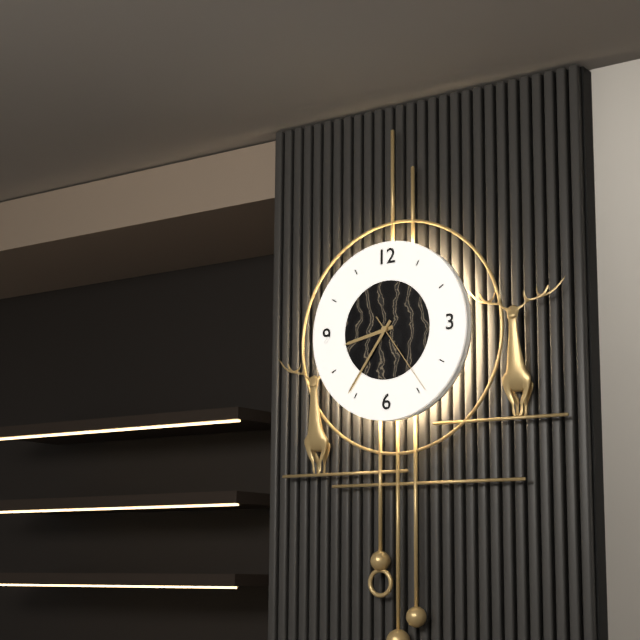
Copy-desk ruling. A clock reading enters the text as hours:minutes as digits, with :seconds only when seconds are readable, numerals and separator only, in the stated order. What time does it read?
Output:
8:36:24
